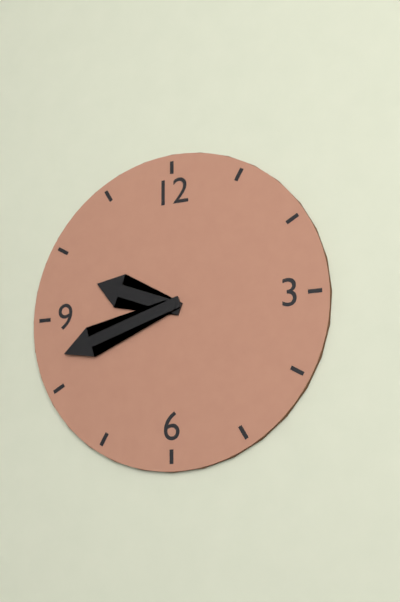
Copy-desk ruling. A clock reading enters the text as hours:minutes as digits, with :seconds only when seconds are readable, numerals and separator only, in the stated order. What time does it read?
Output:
9:42
